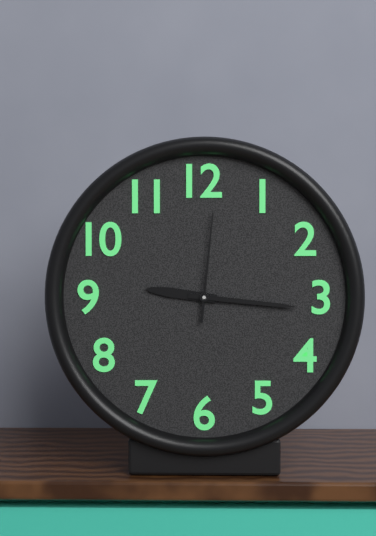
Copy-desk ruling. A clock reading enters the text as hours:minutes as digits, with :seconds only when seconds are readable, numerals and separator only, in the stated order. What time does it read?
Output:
9:16:01
